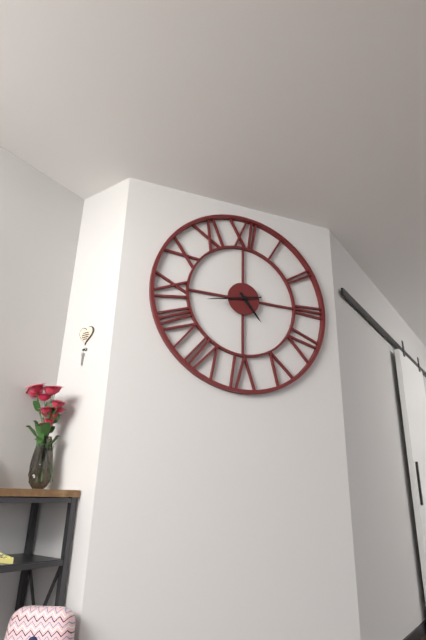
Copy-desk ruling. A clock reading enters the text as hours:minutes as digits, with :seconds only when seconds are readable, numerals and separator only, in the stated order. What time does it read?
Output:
4:43
